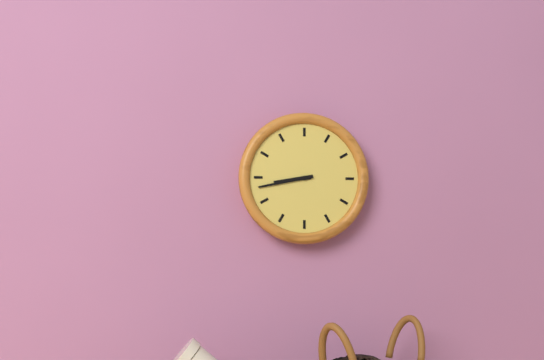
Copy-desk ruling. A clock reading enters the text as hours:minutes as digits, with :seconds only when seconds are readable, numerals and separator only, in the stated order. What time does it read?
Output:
8:43
